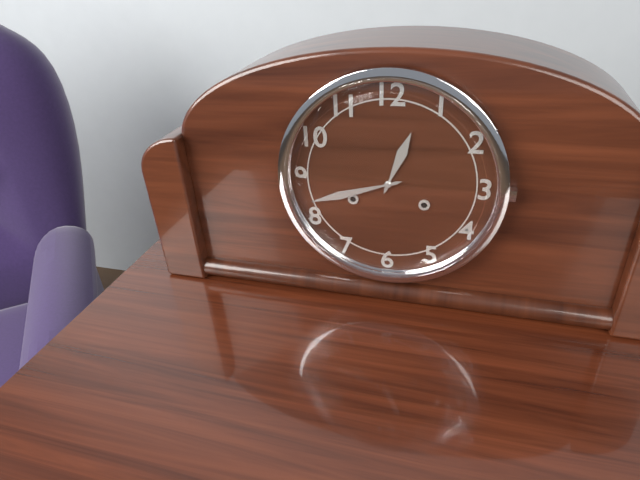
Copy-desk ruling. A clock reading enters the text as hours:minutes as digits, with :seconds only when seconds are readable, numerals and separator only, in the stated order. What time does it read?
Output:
12:42
